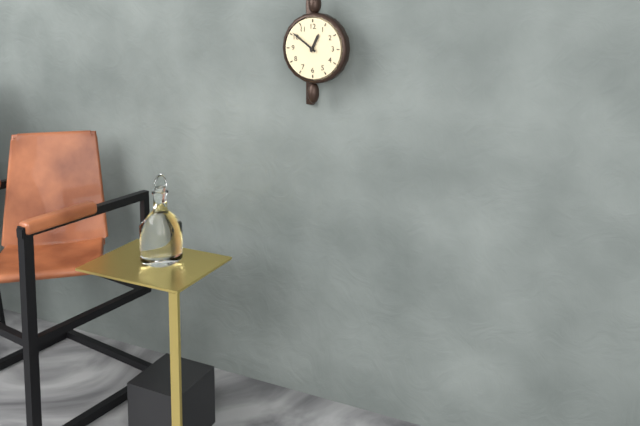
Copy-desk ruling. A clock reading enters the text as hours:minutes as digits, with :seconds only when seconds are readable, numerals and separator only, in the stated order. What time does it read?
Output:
12:51
